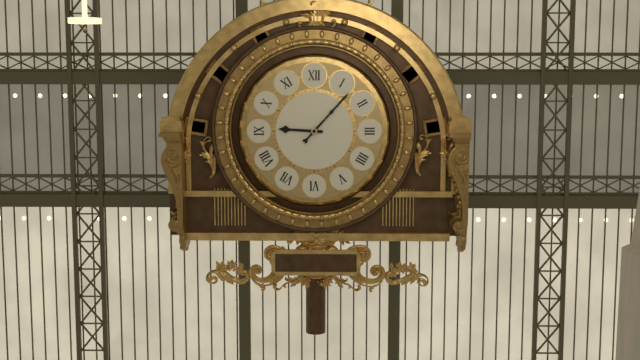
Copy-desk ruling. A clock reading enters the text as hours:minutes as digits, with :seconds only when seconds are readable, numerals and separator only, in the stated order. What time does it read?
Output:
9:07
